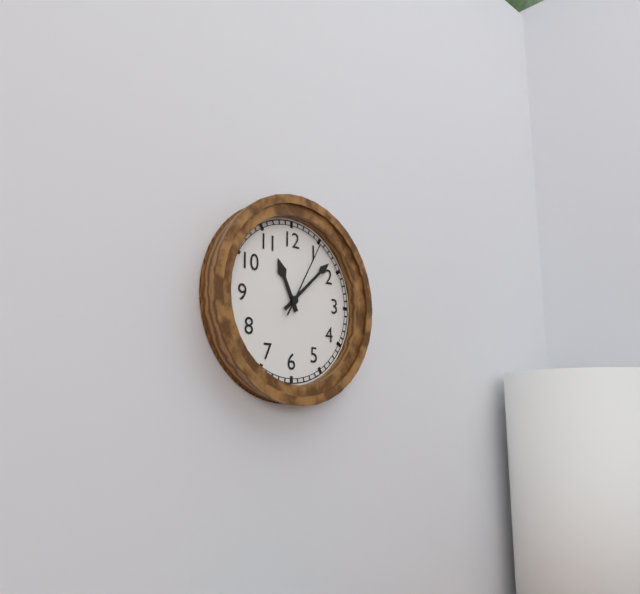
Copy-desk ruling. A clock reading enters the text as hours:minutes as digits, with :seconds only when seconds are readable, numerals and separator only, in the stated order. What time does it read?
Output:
11:08:05
